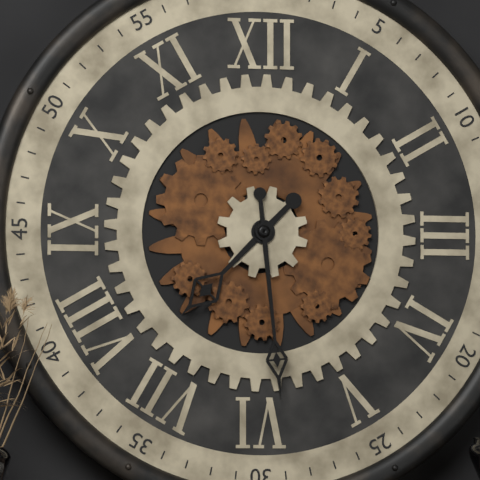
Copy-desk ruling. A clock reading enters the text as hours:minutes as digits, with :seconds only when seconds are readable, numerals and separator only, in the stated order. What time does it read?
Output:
7:29
